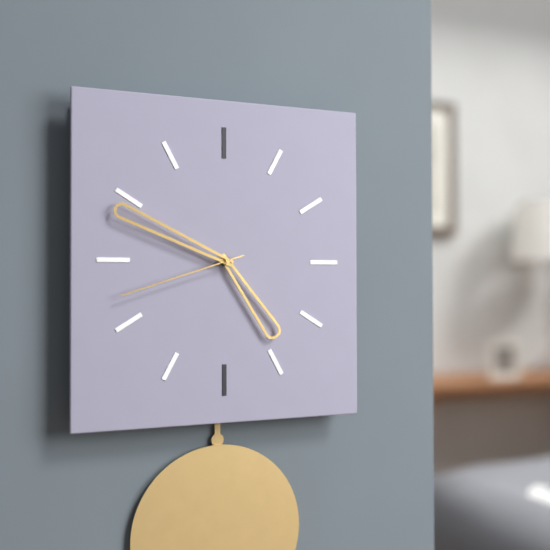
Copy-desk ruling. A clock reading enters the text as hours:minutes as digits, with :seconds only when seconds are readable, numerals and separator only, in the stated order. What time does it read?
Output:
4:49:42
